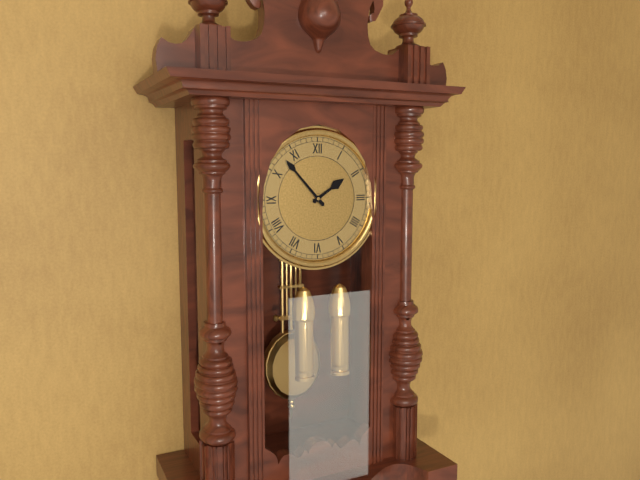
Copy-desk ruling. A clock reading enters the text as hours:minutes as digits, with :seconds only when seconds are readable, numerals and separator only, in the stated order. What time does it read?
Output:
1:53
